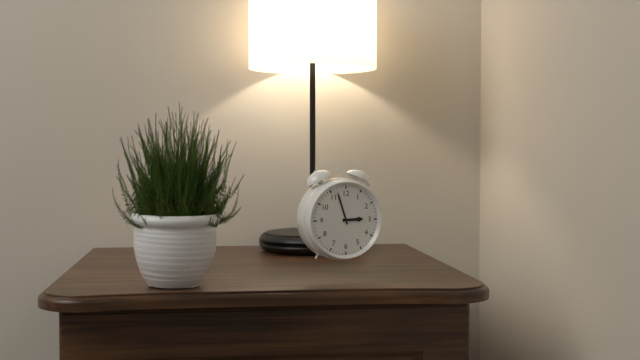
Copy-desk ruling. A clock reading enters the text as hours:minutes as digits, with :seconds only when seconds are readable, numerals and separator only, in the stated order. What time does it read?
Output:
2:57
